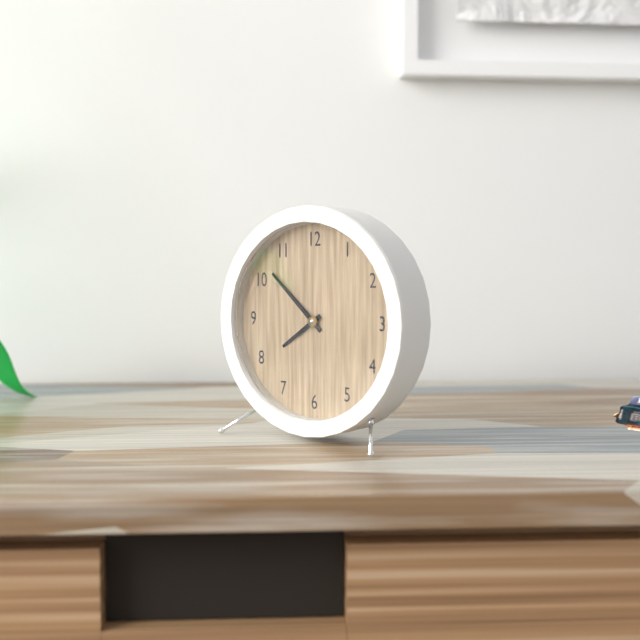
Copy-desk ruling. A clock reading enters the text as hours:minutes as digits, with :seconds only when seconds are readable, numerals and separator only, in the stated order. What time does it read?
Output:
7:52
